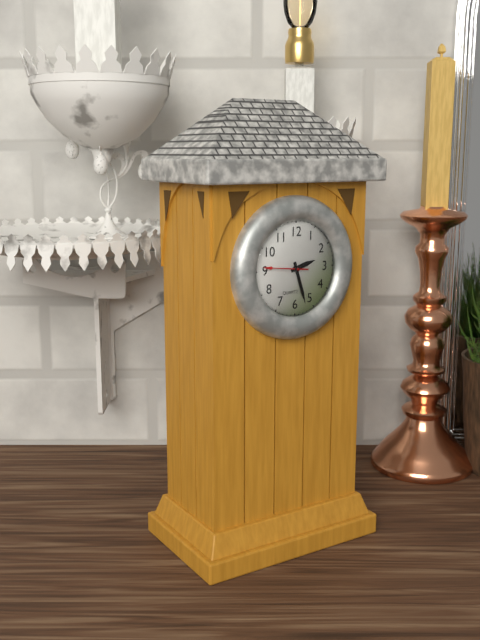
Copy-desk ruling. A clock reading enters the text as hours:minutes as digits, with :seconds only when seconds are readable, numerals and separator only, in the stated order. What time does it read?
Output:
2:27
